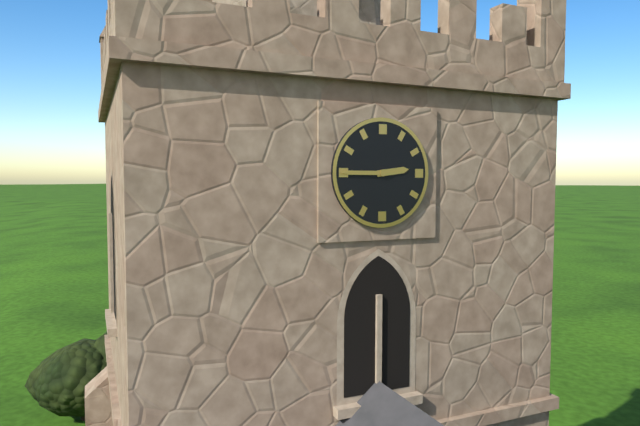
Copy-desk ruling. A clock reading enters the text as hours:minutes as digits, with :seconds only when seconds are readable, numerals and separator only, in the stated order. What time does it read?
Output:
2:45
